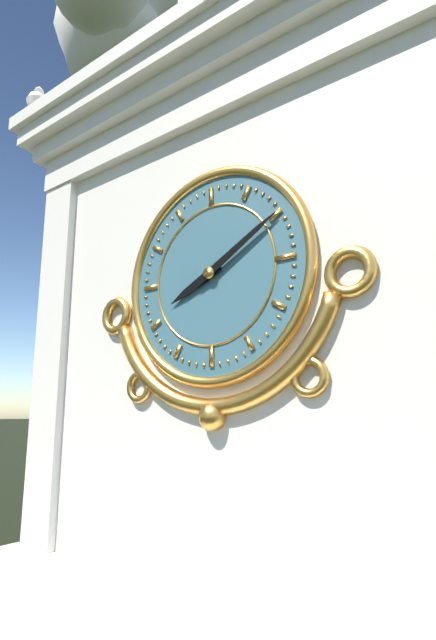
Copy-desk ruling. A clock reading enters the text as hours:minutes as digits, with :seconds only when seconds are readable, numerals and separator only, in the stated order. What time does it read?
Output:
8:10
